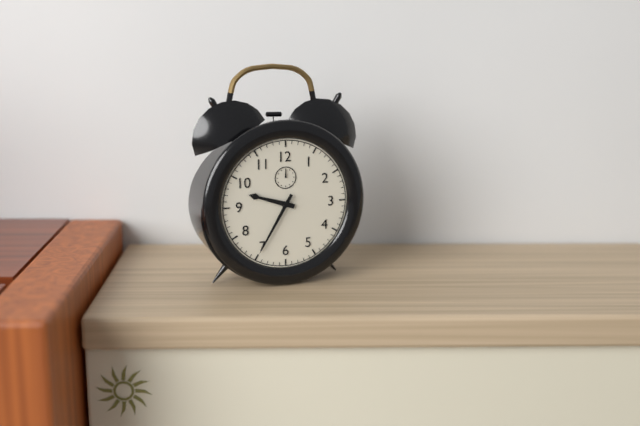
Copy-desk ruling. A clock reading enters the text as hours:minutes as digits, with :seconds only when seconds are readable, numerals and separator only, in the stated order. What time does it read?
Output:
9:35
